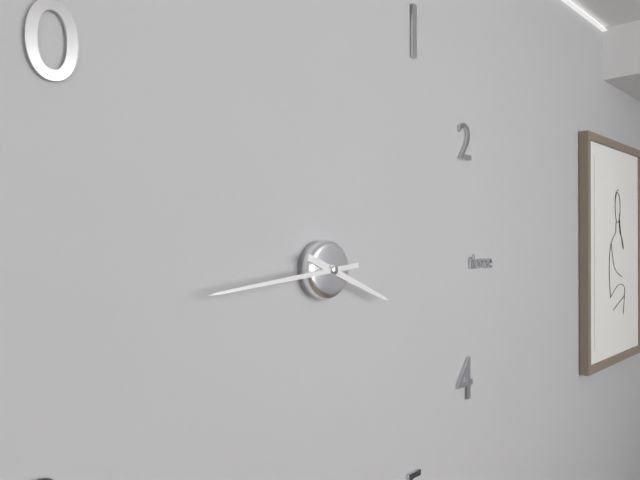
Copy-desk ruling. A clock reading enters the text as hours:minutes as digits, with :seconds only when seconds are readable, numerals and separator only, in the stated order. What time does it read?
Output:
3:44
